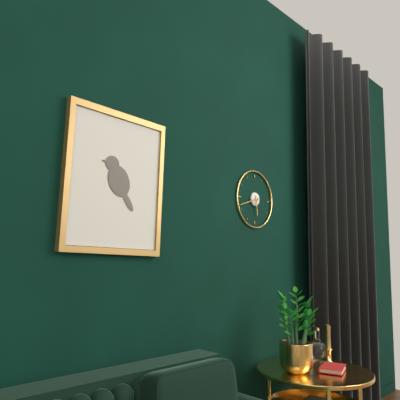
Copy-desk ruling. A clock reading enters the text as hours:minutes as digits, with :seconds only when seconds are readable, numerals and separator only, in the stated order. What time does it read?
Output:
5:42
